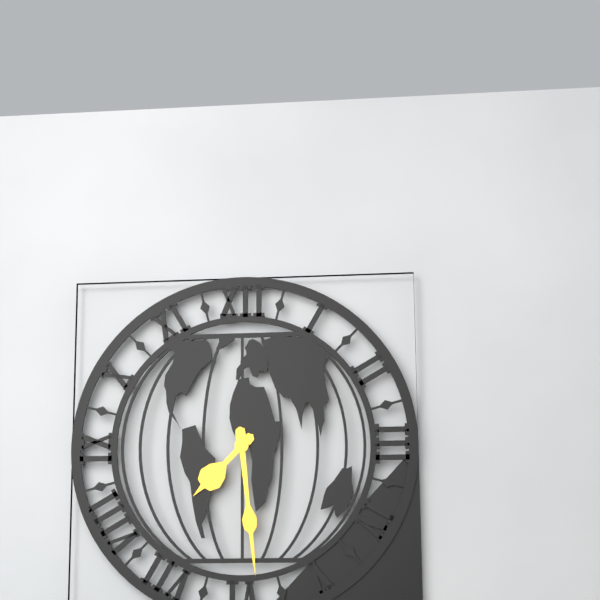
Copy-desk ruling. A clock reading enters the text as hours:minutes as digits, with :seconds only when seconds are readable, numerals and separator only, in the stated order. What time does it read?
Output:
7:29
